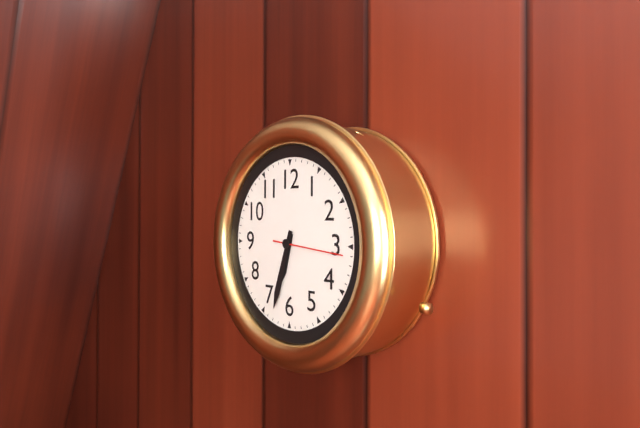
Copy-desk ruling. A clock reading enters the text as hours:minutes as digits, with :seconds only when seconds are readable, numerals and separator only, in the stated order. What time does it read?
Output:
6:33:16
